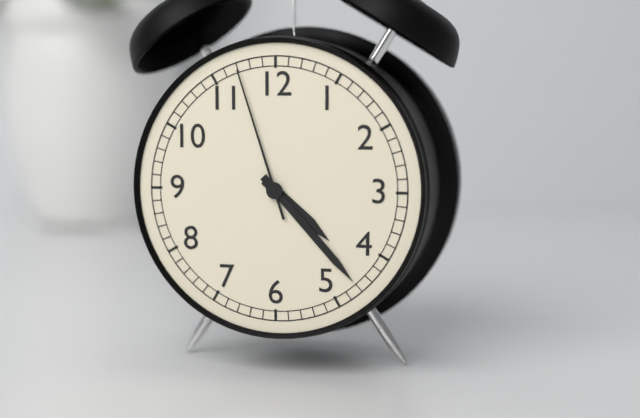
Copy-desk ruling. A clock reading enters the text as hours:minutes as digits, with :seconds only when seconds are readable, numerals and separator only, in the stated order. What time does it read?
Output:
4:23:57
